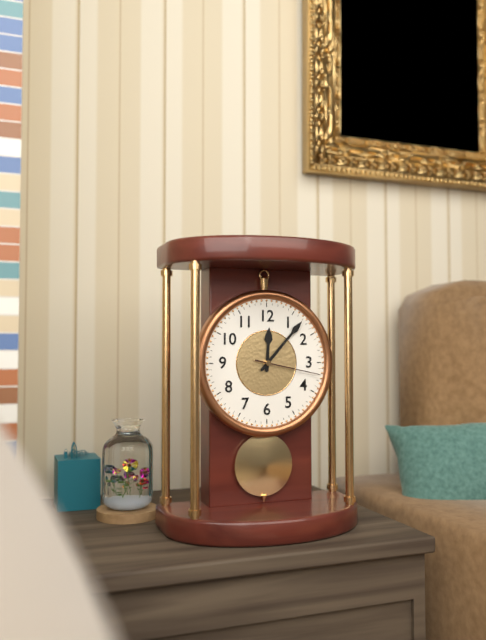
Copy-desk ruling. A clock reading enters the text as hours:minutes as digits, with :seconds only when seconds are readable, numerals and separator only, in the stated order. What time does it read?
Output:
12:07:17
